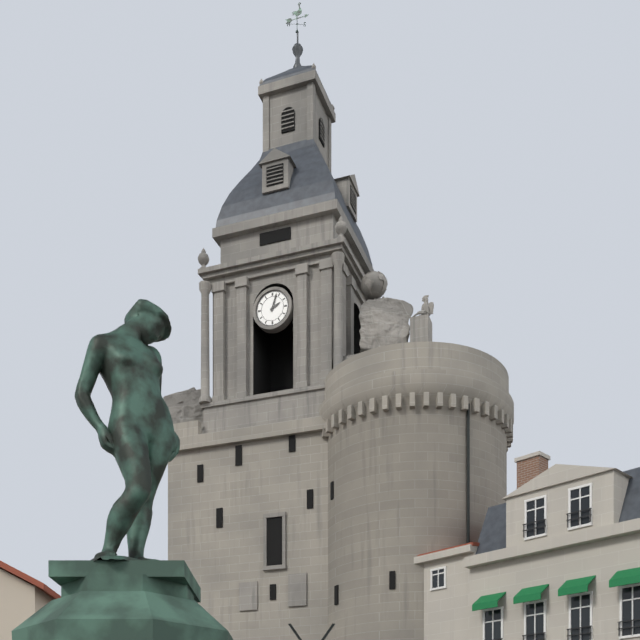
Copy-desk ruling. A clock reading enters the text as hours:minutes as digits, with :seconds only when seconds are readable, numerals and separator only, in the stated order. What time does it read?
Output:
2:03
